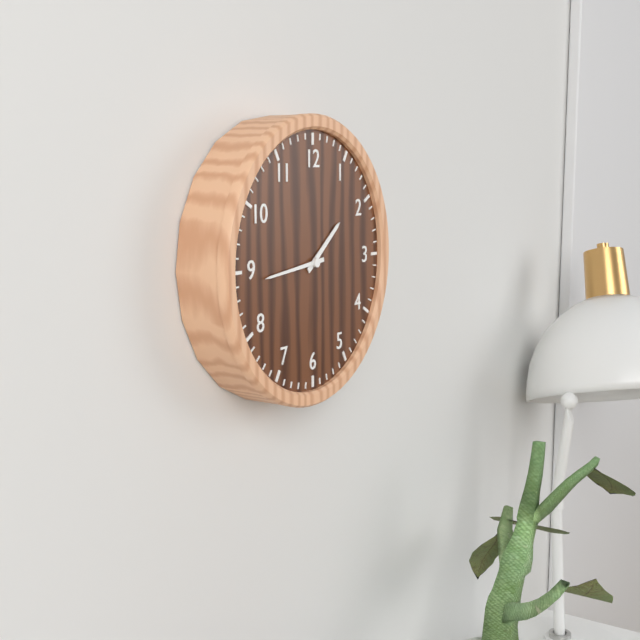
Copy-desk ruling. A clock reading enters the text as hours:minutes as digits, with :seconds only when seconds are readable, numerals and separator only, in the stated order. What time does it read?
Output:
1:44
